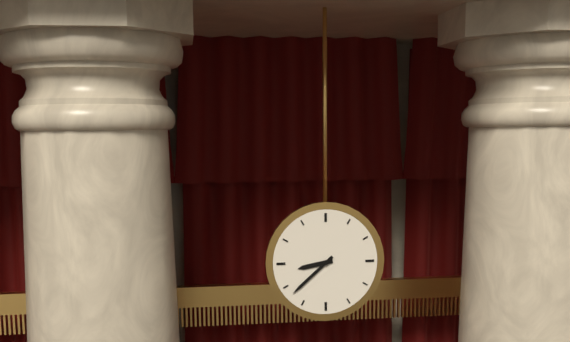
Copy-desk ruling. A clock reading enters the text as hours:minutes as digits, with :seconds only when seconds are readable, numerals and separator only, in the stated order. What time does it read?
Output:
8:38
